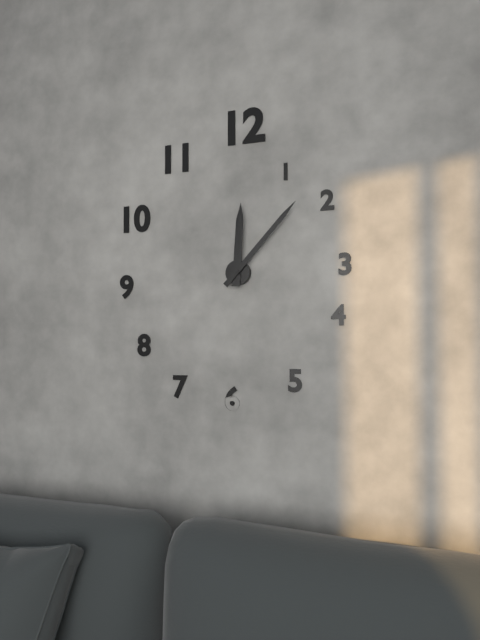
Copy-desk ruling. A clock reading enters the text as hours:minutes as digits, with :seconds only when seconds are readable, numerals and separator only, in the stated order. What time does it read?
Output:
12:07
